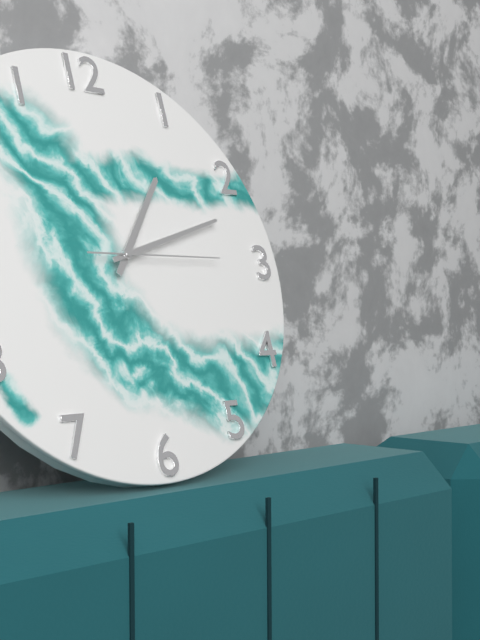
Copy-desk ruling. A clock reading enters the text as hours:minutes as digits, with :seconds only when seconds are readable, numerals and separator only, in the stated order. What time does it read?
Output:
1:12:15
